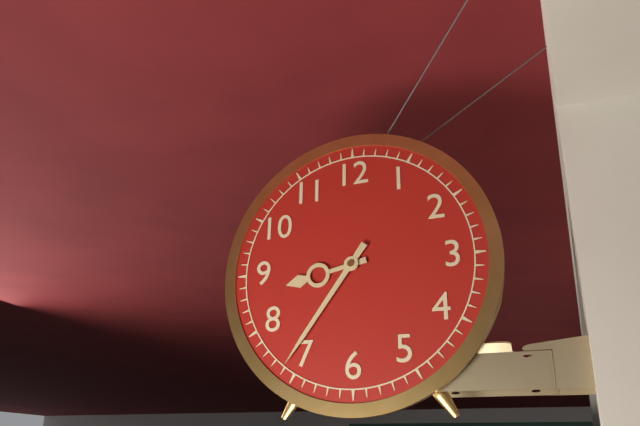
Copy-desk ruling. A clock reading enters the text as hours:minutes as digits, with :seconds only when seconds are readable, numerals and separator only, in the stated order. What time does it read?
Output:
8:36
